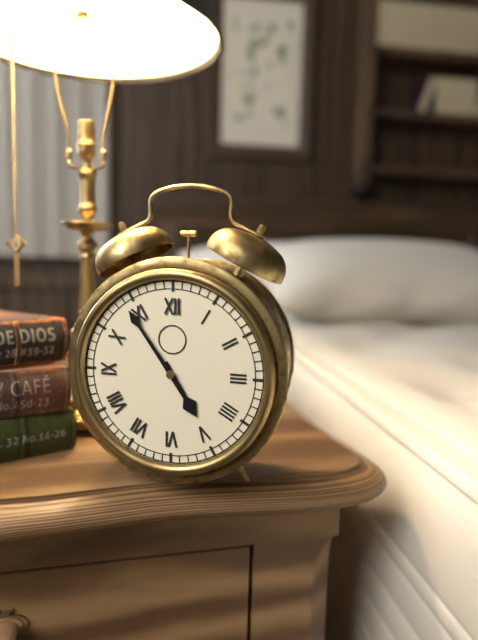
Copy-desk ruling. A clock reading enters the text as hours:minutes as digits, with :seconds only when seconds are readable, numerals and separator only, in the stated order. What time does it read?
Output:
4:54
